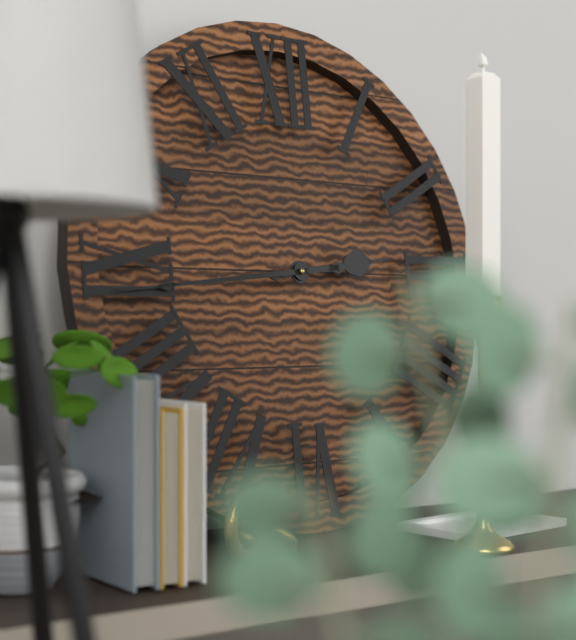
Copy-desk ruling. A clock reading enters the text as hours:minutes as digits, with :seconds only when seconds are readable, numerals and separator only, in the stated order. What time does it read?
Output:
2:44
